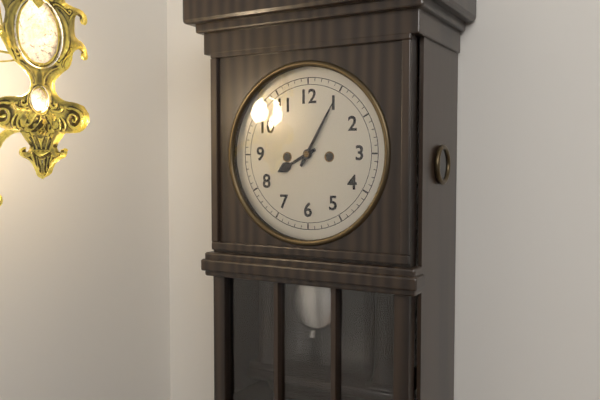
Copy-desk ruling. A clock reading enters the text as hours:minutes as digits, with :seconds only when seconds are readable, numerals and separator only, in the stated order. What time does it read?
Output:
8:05
